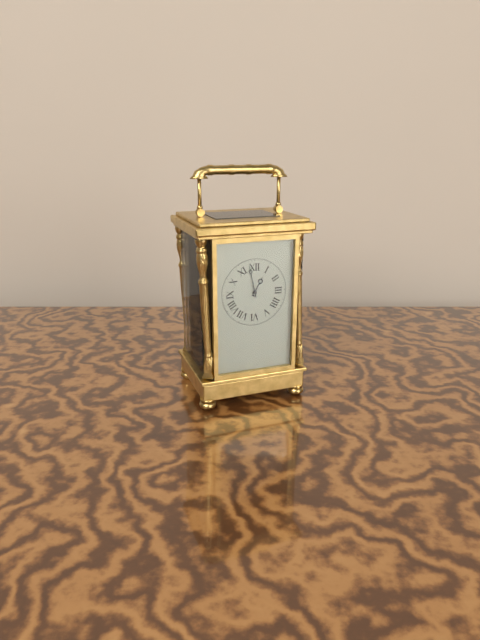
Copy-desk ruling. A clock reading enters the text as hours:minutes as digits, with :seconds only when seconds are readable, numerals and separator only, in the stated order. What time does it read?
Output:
12:58
